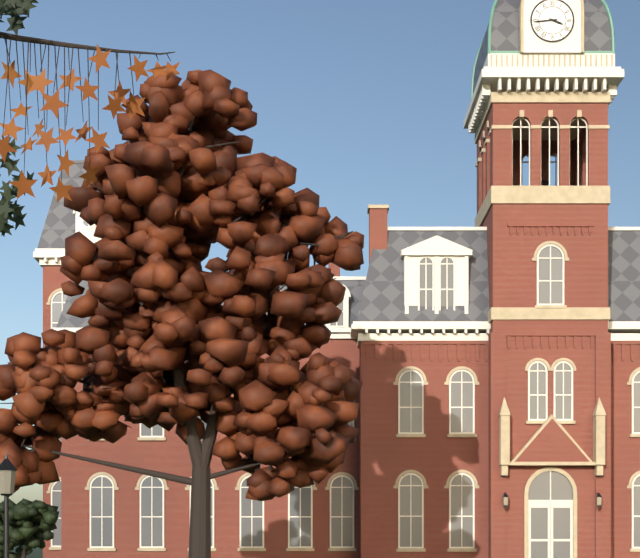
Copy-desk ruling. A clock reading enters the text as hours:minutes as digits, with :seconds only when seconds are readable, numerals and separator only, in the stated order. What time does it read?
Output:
3:44
